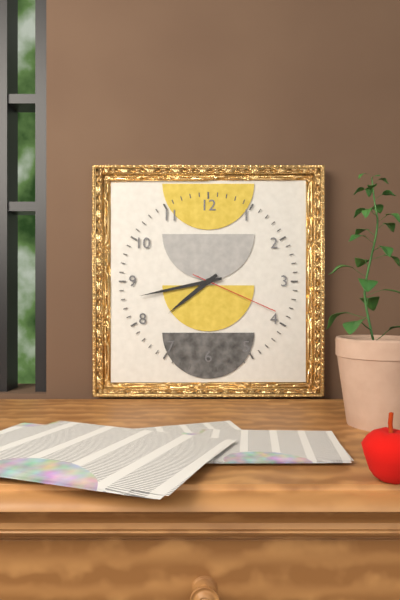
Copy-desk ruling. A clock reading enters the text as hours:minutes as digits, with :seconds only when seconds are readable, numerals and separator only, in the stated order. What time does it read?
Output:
7:43:19
